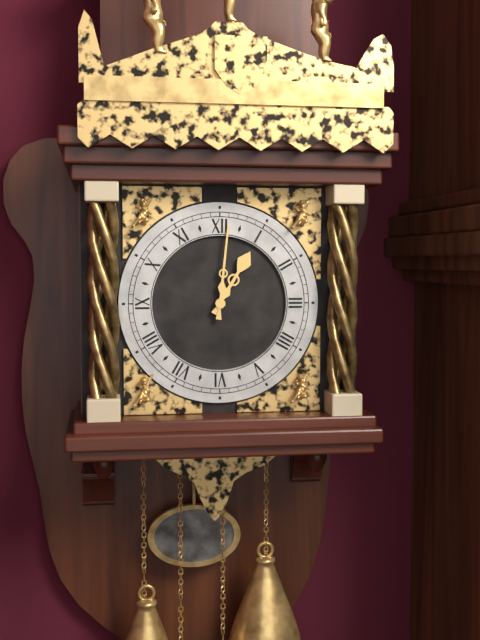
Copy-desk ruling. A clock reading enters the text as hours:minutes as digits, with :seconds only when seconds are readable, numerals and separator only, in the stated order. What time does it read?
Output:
1:01
